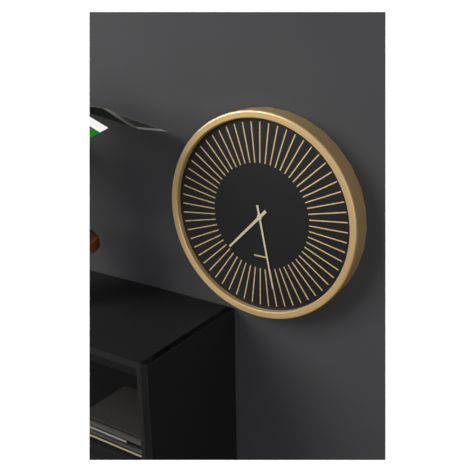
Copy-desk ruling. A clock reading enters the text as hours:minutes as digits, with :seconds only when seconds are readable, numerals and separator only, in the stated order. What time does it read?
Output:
7:28
